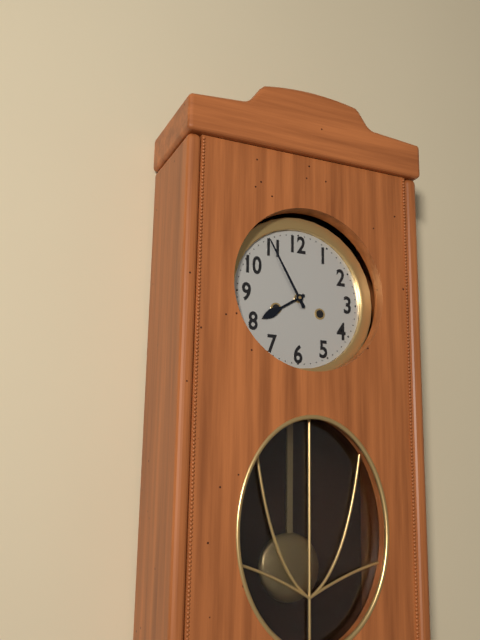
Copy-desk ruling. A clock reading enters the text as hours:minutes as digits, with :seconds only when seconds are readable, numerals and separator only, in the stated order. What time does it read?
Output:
7:55
